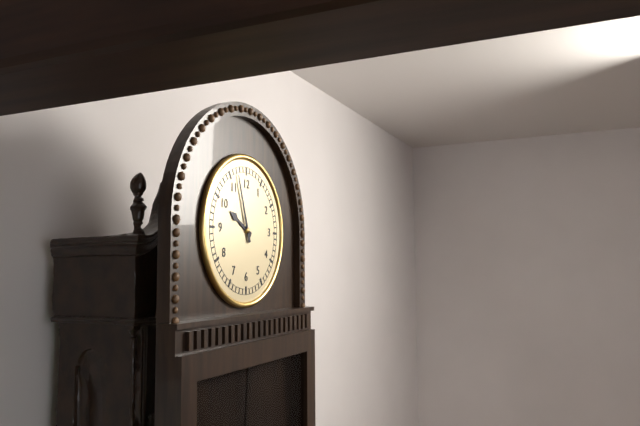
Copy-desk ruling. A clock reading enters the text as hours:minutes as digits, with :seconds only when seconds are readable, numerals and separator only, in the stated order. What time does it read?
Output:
9:57
